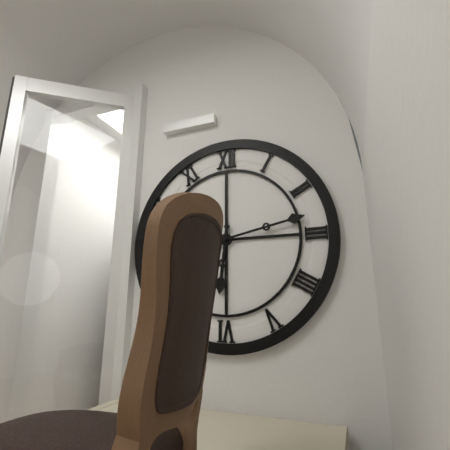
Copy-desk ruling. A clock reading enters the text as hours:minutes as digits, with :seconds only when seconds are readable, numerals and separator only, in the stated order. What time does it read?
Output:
6:13
